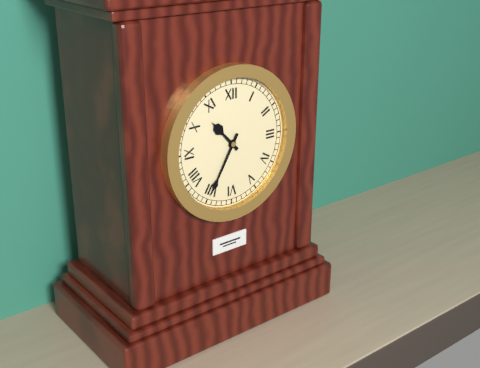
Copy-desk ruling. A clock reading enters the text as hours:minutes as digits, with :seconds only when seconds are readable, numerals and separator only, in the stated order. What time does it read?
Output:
10:35
